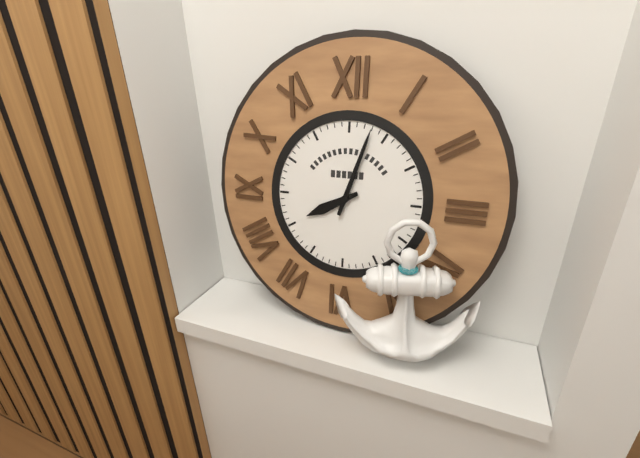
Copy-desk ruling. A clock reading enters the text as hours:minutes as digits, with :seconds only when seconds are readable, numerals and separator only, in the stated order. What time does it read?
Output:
8:03
